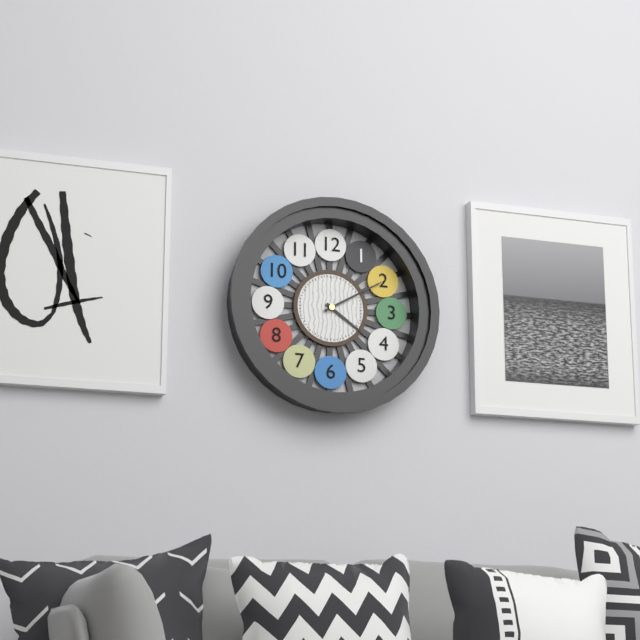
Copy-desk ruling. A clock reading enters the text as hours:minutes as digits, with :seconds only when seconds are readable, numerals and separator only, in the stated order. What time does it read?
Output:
4:10
